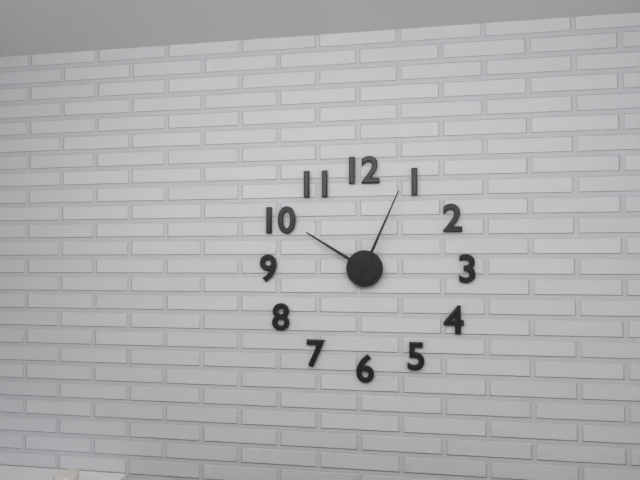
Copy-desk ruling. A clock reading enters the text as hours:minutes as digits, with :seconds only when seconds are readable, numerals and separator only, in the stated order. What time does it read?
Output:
10:04
